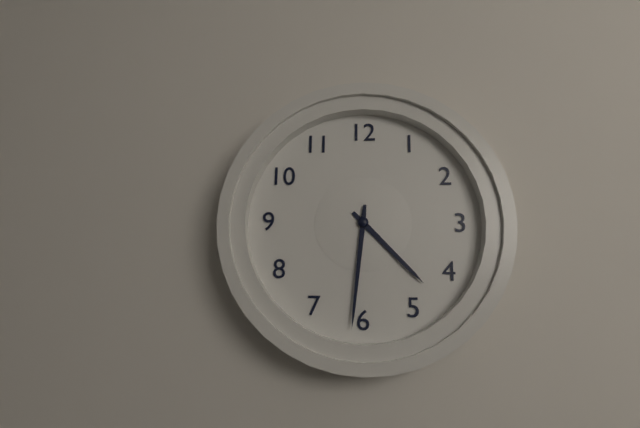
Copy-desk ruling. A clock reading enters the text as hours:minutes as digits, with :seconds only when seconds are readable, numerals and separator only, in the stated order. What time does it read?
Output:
4:31
